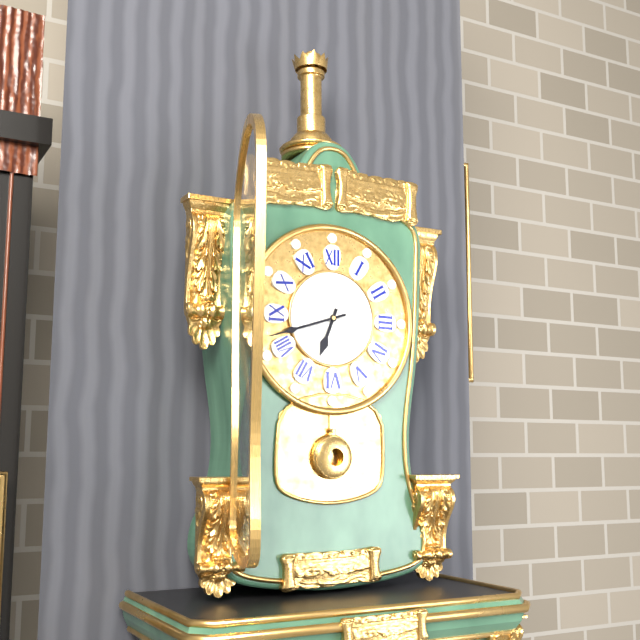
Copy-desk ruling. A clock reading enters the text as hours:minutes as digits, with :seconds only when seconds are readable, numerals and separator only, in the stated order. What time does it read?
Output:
6:42
